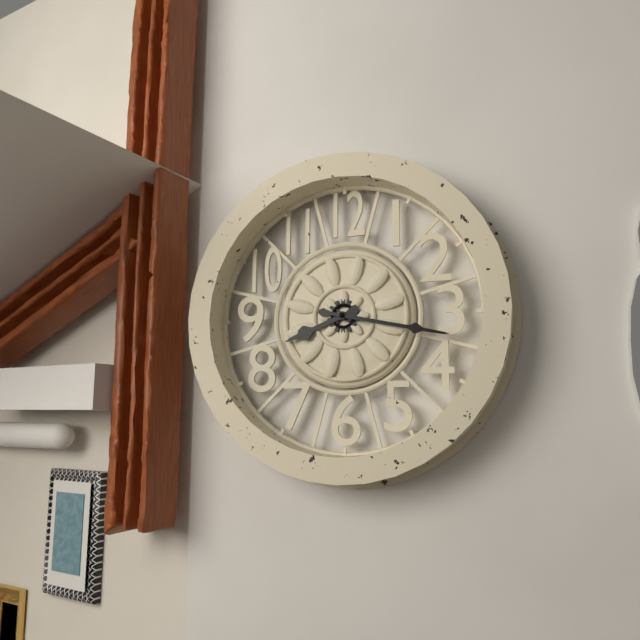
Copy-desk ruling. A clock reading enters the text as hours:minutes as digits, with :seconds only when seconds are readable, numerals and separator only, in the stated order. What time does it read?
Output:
8:17
